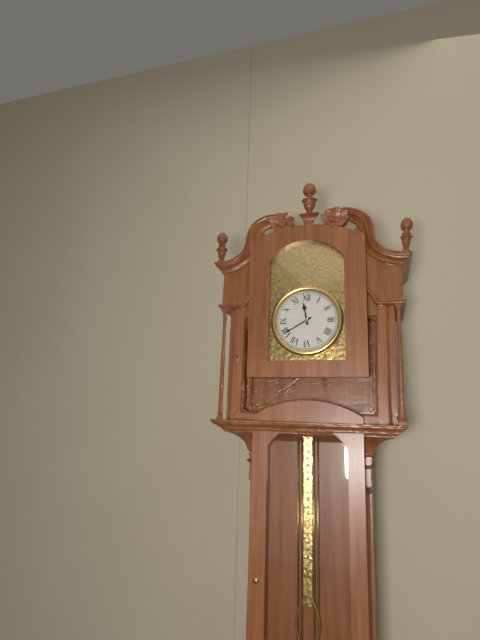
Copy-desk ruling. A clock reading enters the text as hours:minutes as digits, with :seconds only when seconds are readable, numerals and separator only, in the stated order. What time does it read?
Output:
11:40
